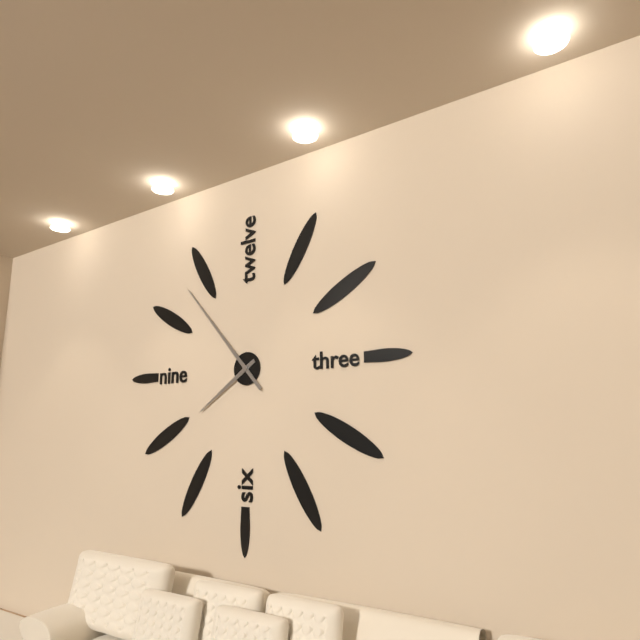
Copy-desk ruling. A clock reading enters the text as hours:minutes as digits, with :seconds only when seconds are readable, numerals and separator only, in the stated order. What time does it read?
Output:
7:53
